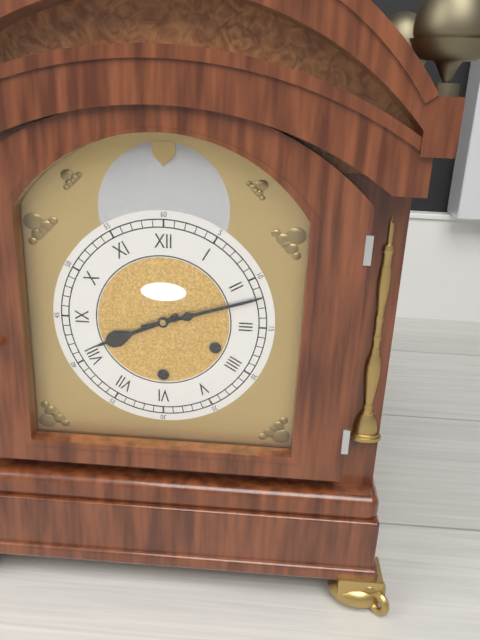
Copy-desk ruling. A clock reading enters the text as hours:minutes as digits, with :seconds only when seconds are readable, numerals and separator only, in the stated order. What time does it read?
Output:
8:12
